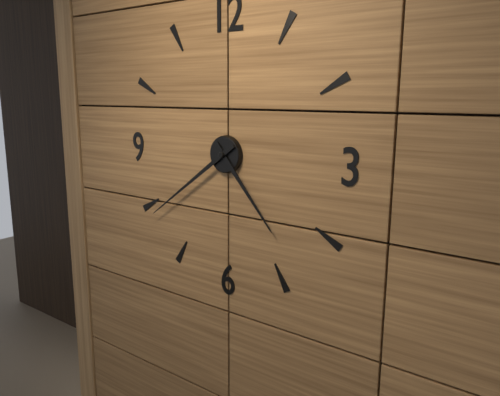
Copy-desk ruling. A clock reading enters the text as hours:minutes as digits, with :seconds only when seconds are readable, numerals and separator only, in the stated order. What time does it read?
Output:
4:39
